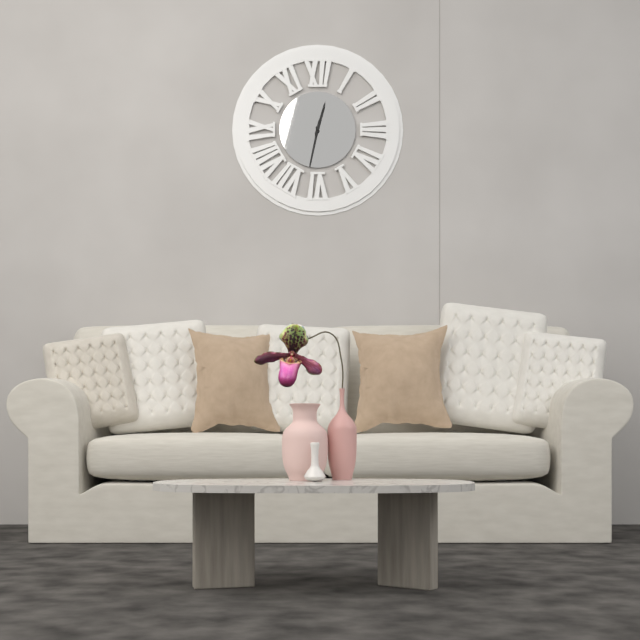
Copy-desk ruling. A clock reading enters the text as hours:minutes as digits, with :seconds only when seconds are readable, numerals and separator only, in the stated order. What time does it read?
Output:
12:32
